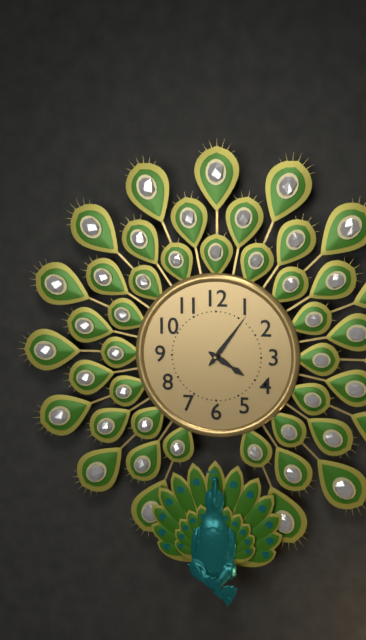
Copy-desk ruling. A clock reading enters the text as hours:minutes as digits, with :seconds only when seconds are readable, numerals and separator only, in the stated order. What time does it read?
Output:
4:06
